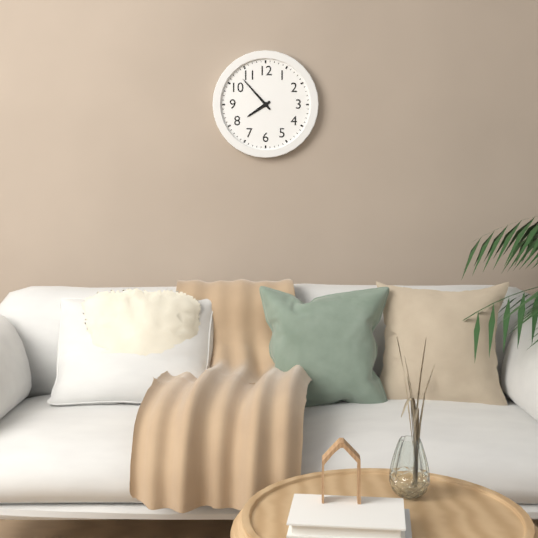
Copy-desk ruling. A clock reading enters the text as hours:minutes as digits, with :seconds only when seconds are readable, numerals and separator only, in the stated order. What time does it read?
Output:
7:53
